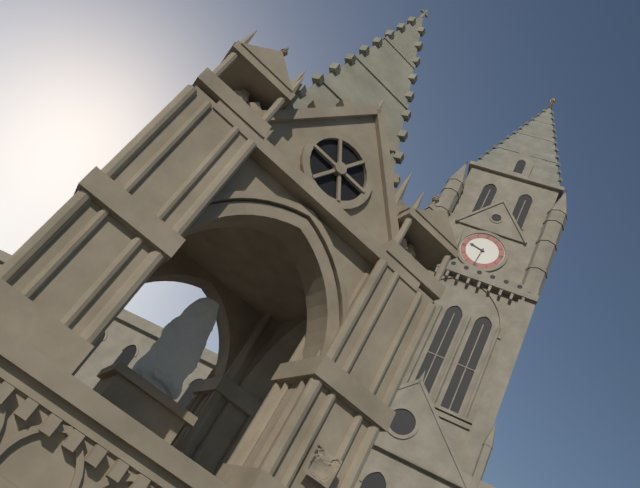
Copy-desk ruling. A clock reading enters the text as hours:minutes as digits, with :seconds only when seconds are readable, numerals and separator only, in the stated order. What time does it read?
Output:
9:31
